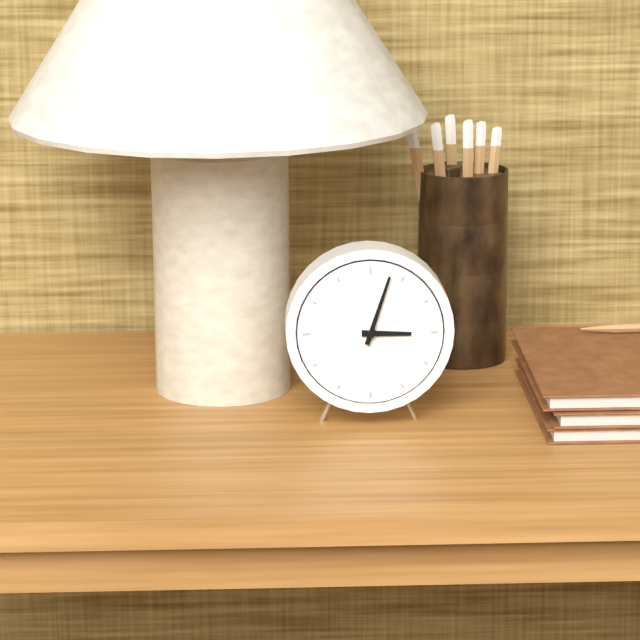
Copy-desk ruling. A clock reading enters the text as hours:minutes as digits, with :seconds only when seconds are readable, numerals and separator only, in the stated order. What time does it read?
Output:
3:03
